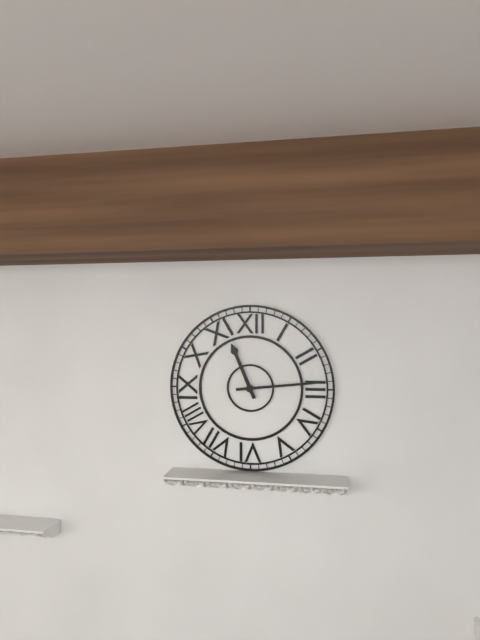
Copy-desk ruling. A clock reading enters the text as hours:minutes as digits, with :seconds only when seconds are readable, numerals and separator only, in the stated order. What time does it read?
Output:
11:14
